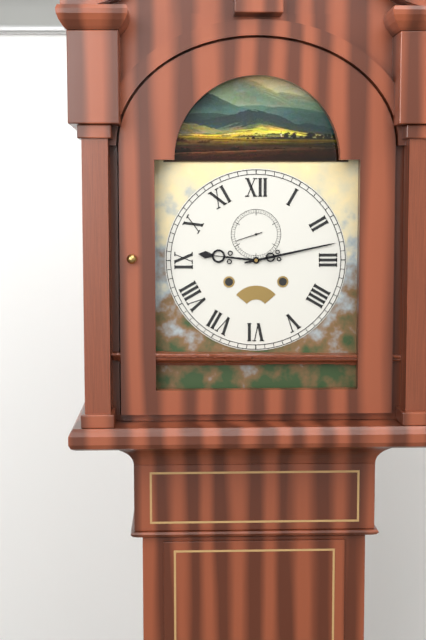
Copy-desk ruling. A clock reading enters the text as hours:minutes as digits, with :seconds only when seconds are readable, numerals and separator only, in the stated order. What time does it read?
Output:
9:13
